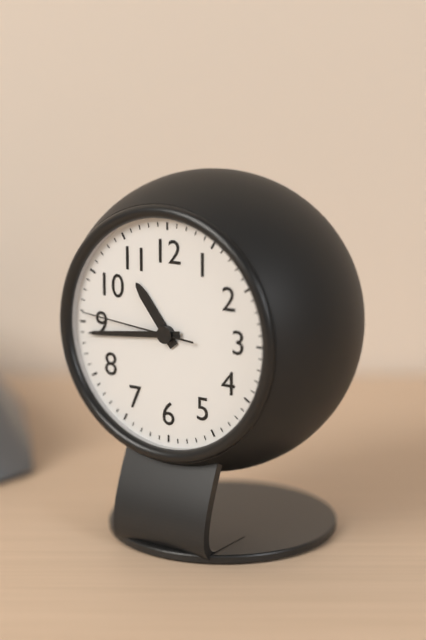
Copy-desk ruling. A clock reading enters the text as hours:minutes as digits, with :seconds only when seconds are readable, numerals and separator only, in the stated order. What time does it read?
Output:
10:44:46
